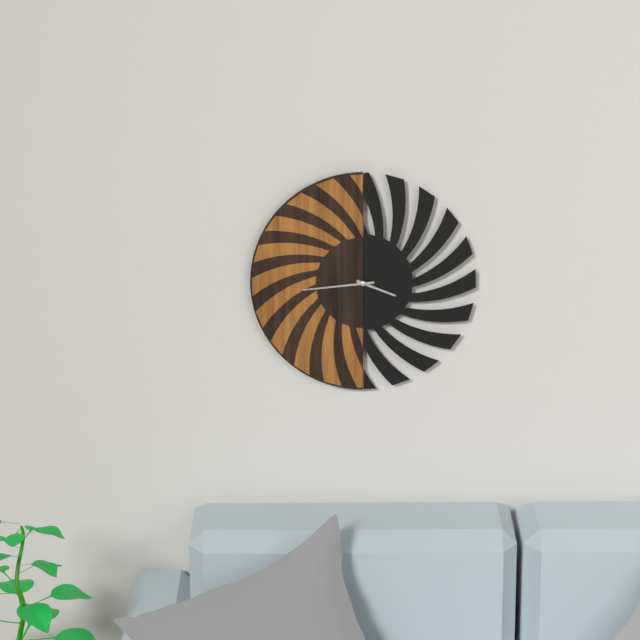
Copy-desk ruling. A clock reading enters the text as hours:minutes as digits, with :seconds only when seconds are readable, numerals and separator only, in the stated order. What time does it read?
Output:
3:44
